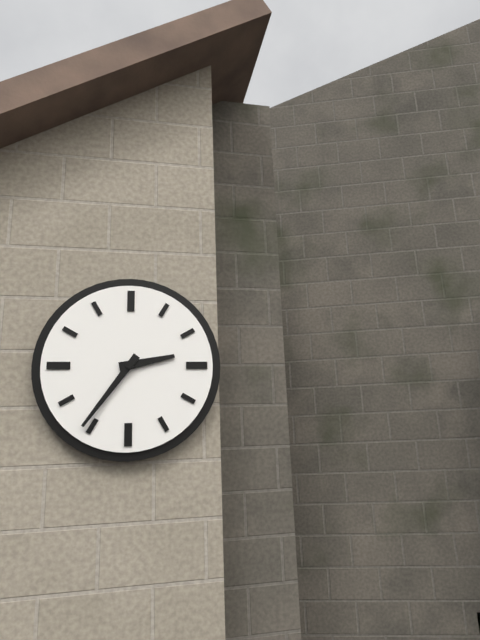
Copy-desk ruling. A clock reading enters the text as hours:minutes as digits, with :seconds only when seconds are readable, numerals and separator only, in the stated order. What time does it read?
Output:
2:36
